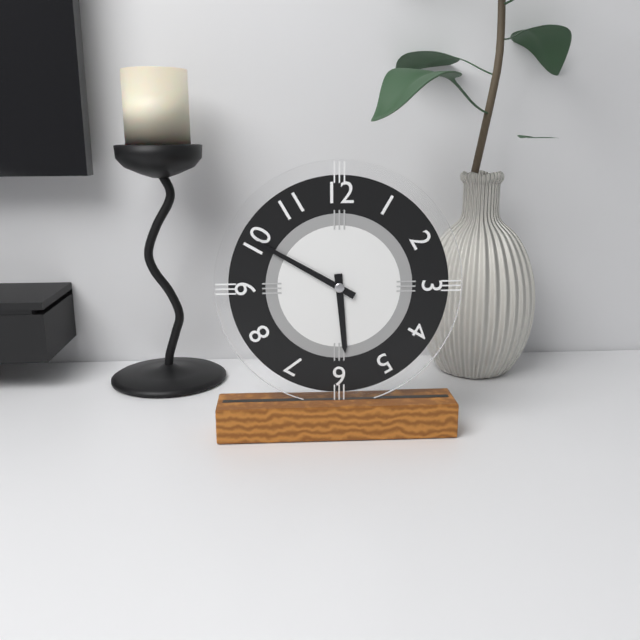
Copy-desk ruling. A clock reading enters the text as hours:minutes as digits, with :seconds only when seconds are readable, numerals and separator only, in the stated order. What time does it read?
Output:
5:50
